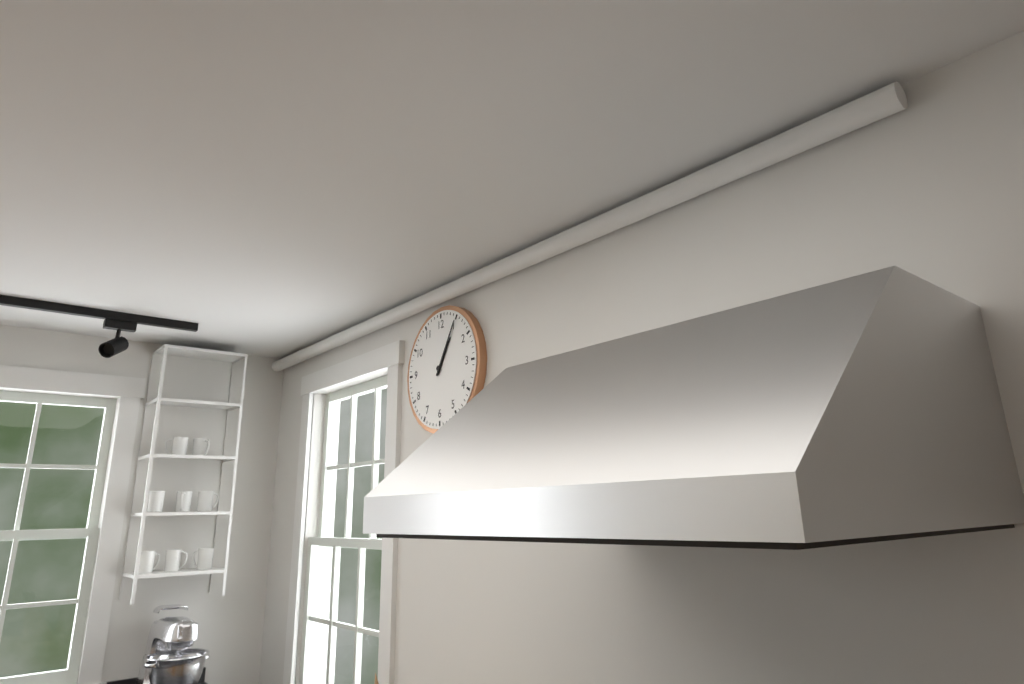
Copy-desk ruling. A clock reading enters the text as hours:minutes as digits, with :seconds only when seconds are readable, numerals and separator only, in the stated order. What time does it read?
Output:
1:05
